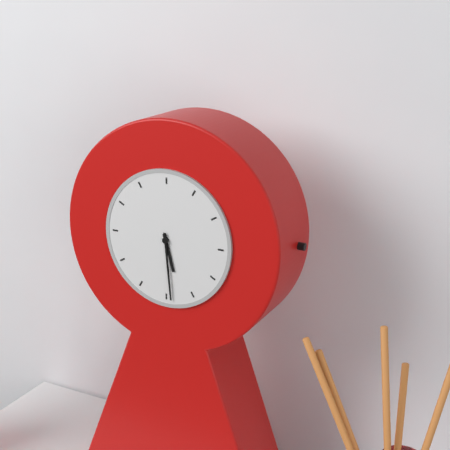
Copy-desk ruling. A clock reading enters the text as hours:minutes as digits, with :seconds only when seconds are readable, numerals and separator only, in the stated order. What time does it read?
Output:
5:29
